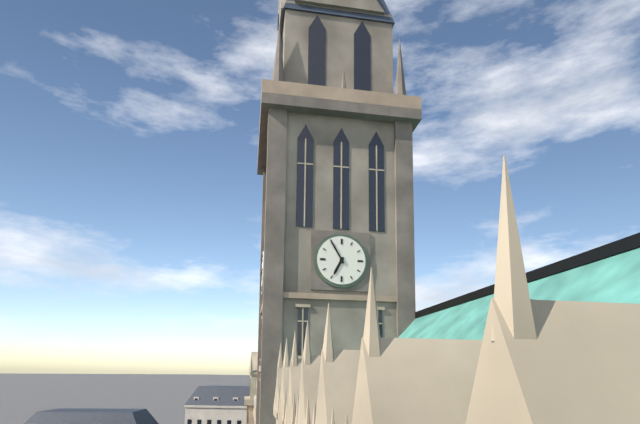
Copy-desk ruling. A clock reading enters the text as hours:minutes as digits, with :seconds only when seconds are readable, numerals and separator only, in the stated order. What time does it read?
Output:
6:55
